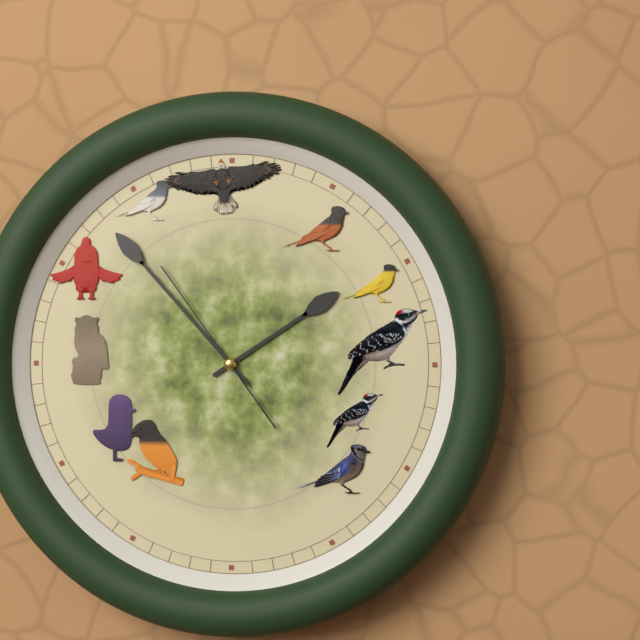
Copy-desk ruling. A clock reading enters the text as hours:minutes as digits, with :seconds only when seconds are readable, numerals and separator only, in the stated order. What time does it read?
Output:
1:53:54
